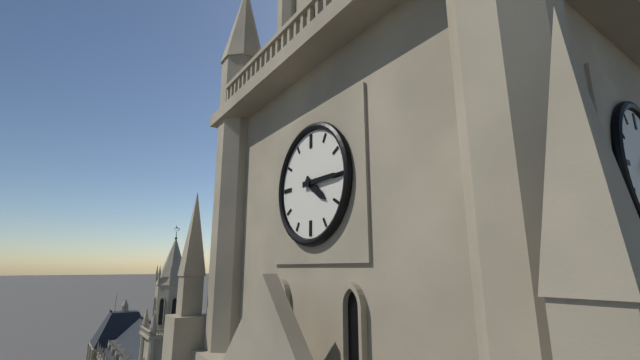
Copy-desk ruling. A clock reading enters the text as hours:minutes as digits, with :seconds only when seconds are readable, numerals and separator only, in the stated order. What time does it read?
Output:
4:15
